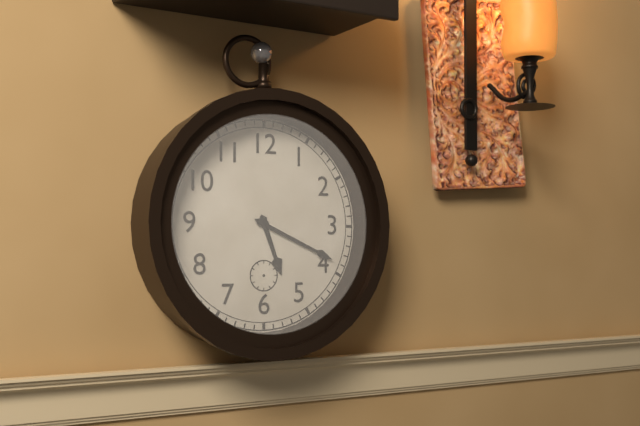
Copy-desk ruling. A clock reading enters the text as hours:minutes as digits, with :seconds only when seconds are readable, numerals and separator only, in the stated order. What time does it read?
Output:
5:19
